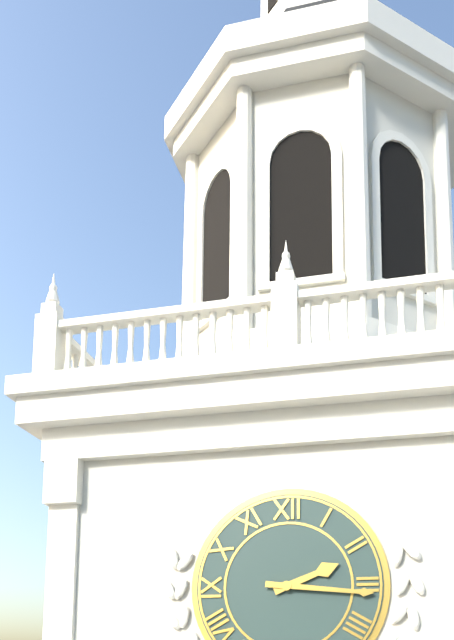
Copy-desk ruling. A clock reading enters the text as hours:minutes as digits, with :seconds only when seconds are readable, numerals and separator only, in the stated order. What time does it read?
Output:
2:16
